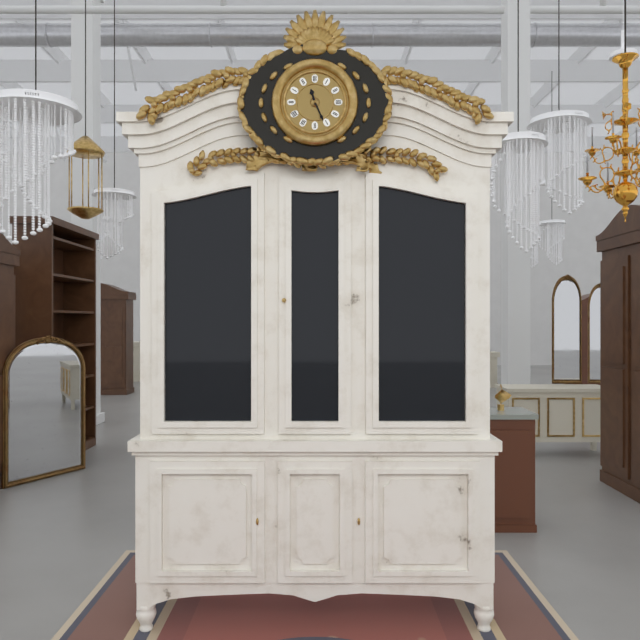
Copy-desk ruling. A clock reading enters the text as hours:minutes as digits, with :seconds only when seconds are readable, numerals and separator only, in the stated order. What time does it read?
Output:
11:26
